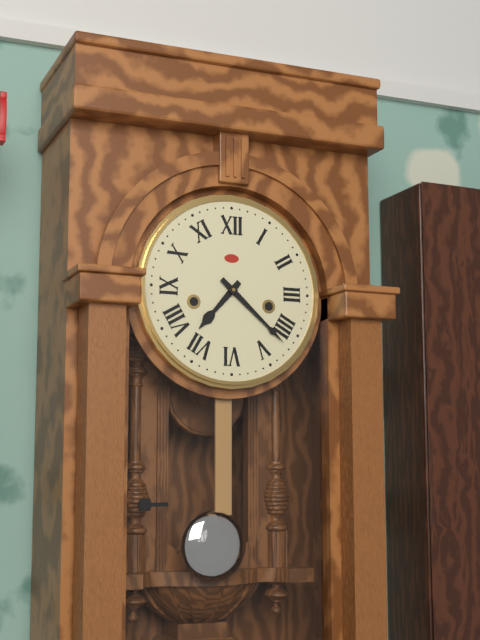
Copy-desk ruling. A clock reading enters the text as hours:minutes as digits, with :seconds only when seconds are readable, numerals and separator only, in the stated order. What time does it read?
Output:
7:22
